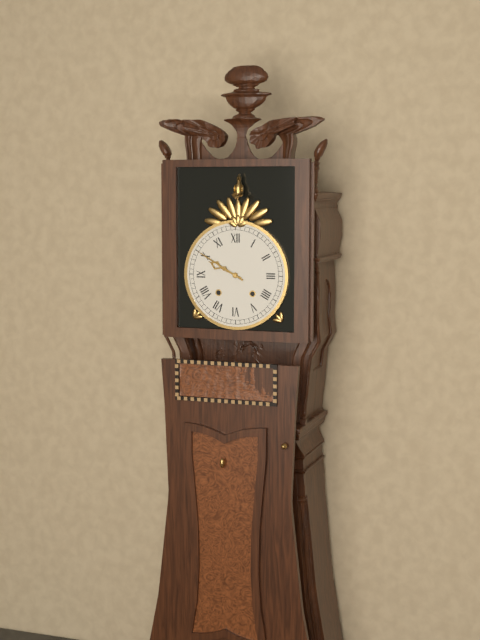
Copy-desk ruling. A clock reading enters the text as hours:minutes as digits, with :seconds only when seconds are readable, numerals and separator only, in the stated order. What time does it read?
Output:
9:50
